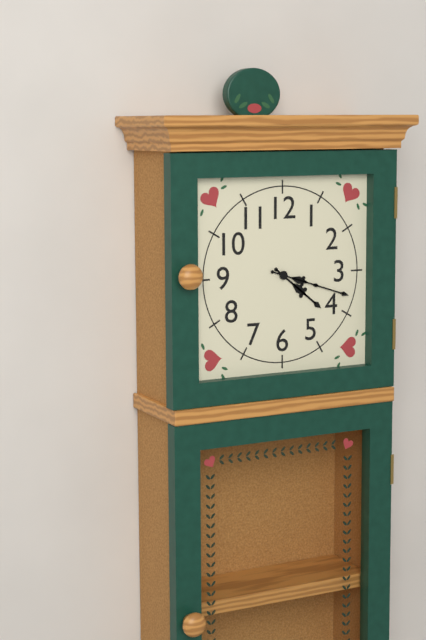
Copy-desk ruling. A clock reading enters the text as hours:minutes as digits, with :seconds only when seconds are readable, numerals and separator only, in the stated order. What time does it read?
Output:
4:18
